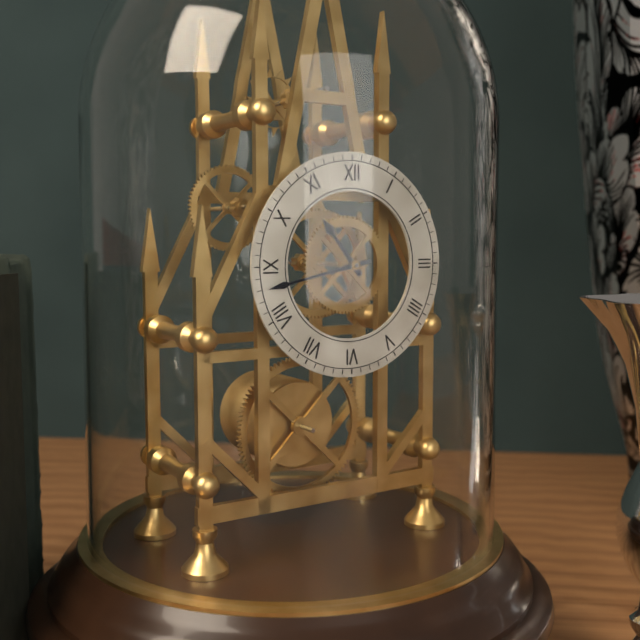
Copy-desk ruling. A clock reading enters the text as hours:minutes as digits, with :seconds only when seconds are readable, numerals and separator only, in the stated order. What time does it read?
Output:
10:43
